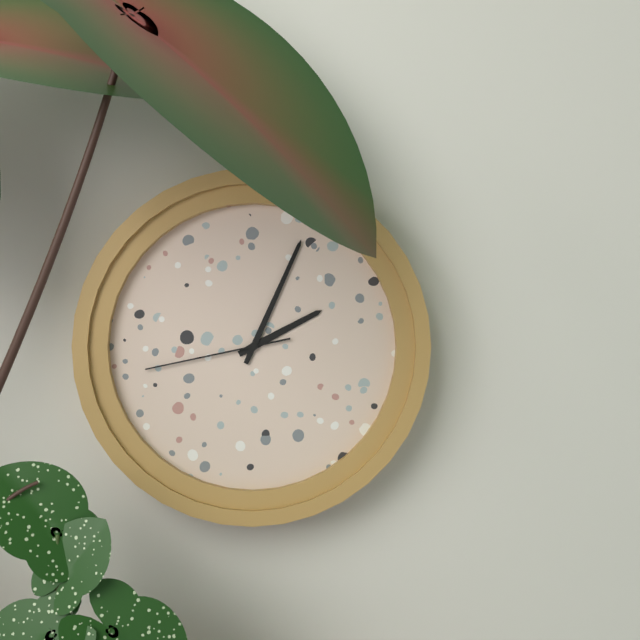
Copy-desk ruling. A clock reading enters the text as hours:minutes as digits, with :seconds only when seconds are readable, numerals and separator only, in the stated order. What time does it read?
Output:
2:04:43
